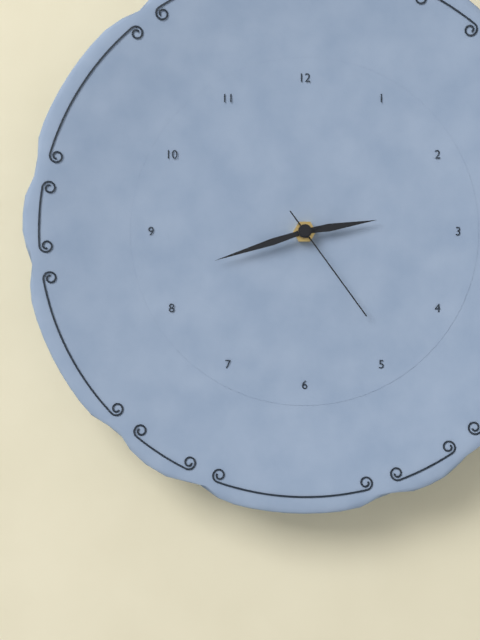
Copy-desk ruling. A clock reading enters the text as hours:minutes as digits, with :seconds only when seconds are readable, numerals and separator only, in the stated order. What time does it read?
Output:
2:42:24
